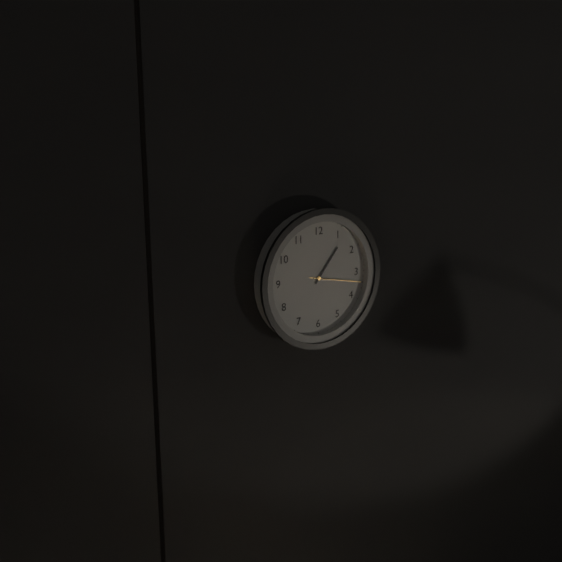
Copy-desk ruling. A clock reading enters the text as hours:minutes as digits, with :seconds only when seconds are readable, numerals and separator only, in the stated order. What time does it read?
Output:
1:17:17
